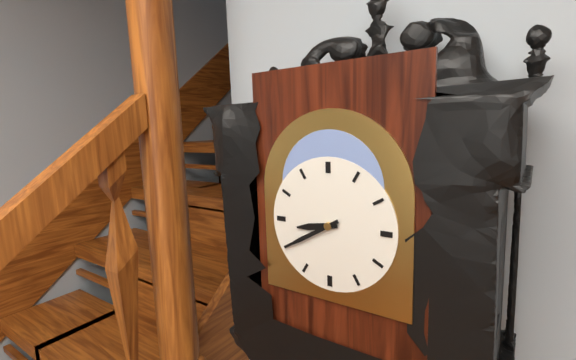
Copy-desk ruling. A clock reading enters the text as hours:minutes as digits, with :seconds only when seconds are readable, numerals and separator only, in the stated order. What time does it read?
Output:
8:40
